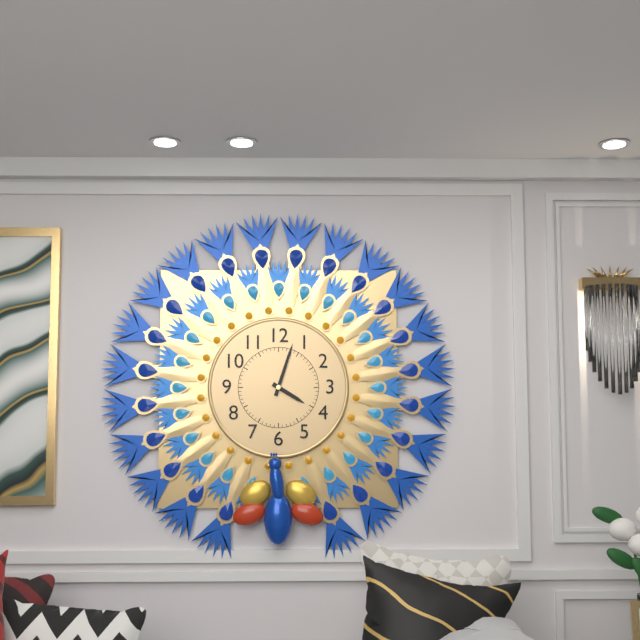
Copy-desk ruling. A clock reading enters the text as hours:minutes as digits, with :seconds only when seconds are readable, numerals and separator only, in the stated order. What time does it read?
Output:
4:03
